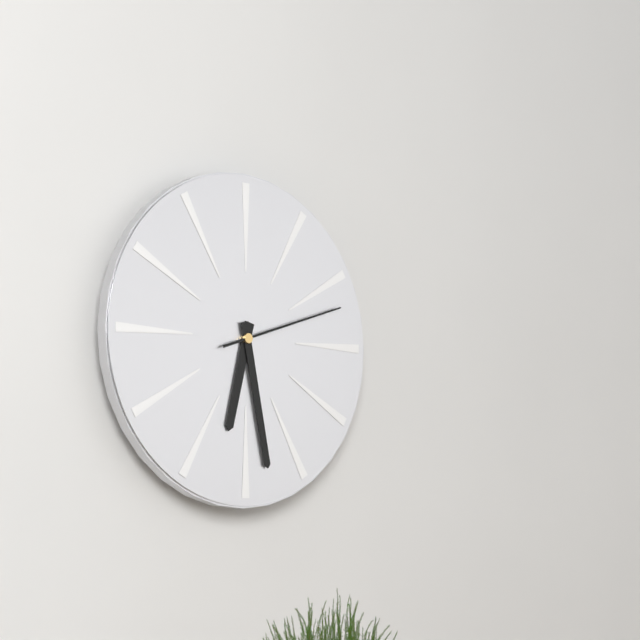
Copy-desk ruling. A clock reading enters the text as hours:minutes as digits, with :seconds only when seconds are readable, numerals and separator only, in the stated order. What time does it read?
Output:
6:28:12
